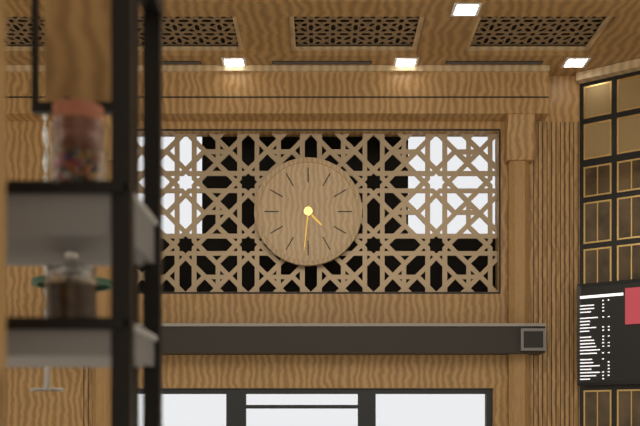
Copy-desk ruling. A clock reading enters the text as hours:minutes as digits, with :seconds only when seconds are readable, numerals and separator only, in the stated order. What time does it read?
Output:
4:31
